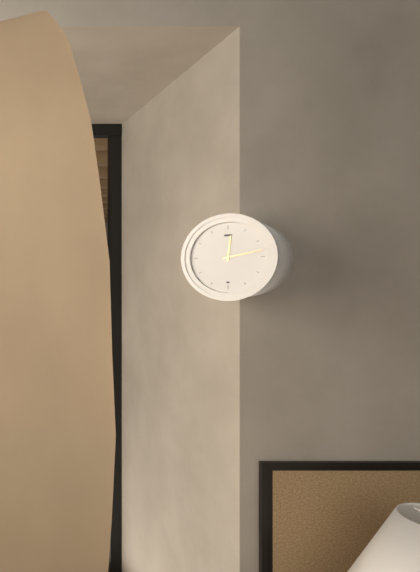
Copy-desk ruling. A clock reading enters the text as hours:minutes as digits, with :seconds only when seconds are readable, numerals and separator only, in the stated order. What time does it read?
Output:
12:13
